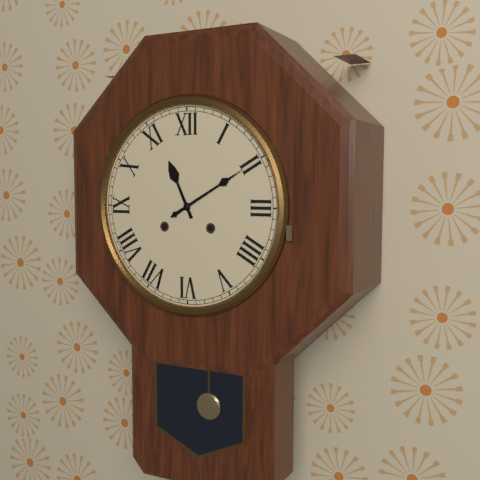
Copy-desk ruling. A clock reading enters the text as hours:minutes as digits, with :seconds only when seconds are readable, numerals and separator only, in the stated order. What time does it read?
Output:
11:10
